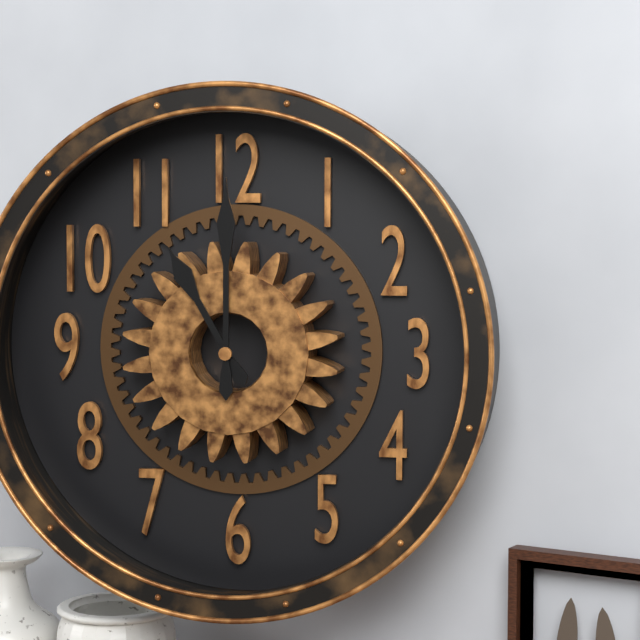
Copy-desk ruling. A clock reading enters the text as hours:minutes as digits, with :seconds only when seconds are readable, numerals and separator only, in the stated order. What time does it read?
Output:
11:00
